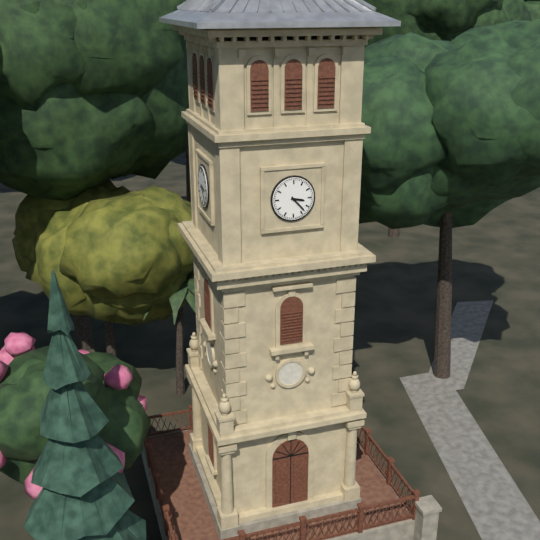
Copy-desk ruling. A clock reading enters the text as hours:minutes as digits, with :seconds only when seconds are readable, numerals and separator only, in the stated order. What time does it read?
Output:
3:23
